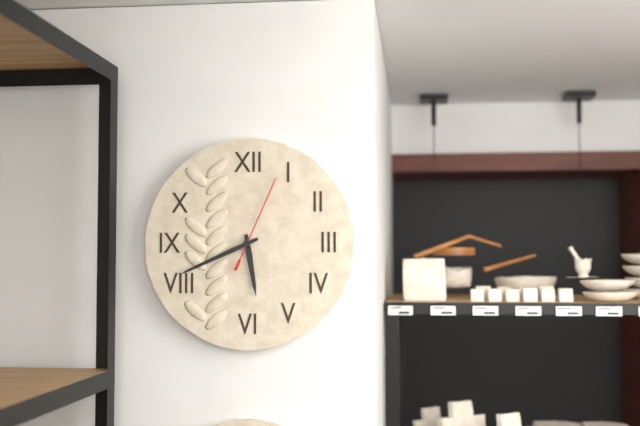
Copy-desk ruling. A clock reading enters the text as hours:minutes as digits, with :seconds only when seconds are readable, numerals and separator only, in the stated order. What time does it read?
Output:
5:41:04
